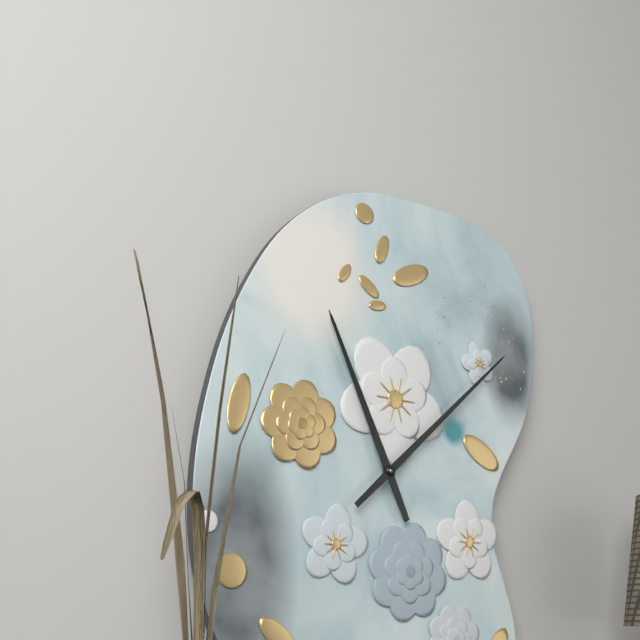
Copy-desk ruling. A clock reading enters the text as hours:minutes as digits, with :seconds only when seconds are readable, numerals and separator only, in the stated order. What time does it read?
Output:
11:08
